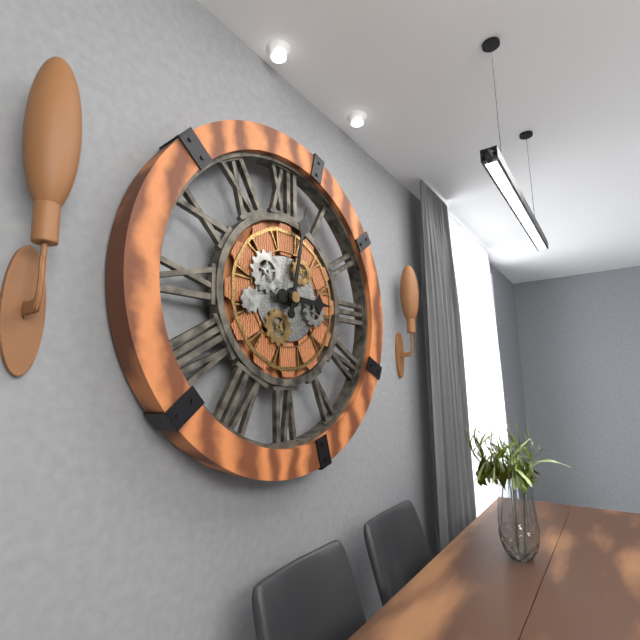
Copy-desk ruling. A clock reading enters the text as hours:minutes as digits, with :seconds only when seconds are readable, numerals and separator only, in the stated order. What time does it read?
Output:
3:02
